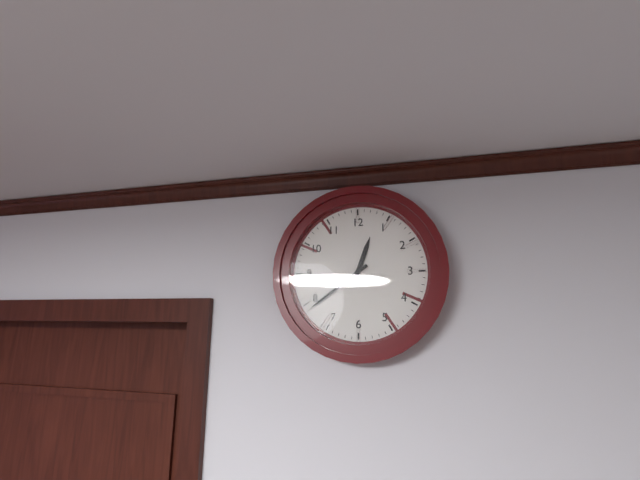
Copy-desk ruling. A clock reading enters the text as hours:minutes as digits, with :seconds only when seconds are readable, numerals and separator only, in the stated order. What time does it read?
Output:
12:39
